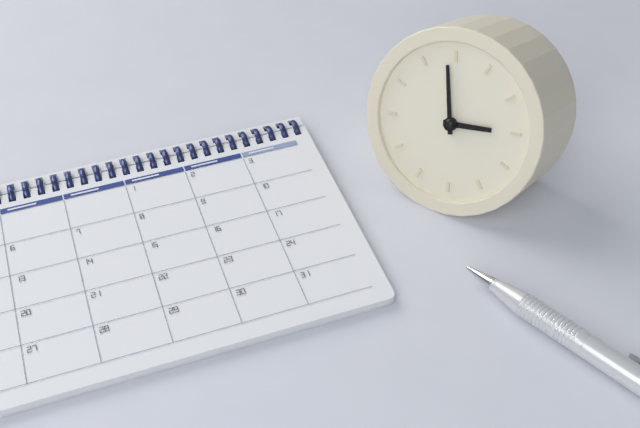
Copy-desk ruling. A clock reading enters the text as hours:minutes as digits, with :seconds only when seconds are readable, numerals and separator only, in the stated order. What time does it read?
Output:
2:59
